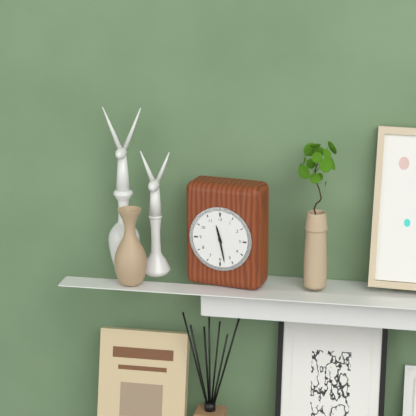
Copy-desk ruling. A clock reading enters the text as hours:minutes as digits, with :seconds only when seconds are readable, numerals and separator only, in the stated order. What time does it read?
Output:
11:28
